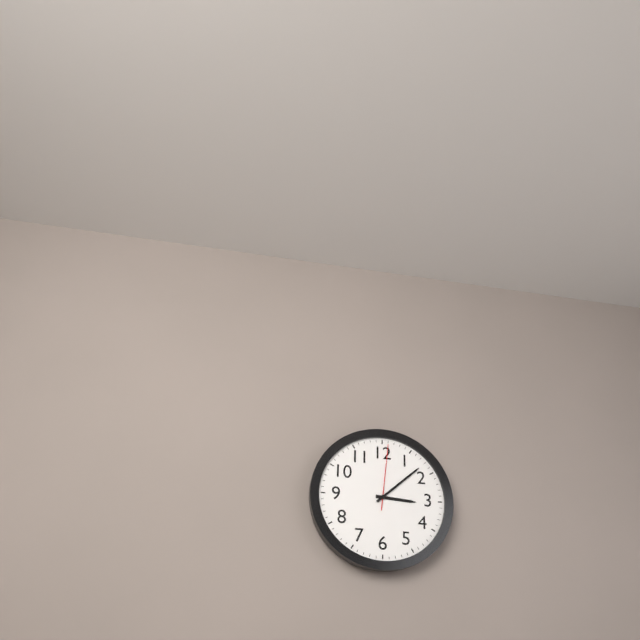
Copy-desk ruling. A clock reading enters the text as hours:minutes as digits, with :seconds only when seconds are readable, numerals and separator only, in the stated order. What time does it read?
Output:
3:08:01
